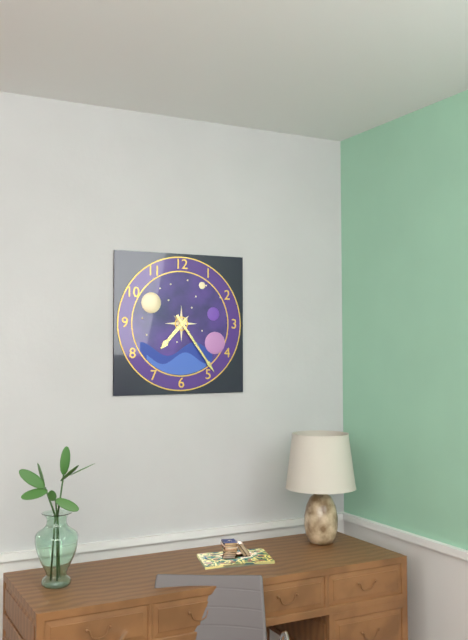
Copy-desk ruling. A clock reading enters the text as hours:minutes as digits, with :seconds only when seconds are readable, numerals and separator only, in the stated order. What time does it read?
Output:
7:24
